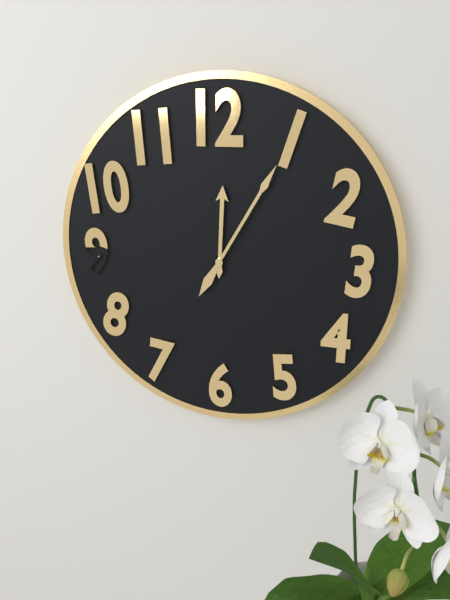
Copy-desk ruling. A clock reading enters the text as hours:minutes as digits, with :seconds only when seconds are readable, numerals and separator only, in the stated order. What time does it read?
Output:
12:05
